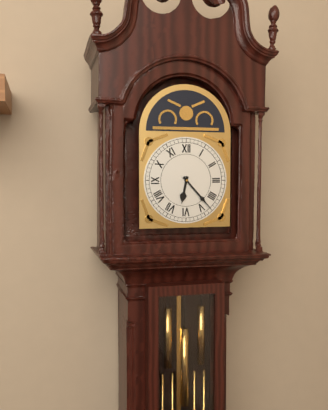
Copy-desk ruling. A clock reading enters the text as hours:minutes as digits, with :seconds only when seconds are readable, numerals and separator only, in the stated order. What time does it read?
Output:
6:23
